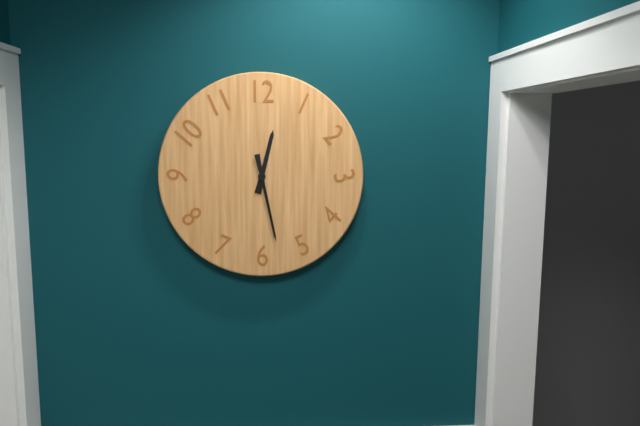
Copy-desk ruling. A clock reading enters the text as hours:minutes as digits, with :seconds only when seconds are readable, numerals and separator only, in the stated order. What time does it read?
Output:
12:28
